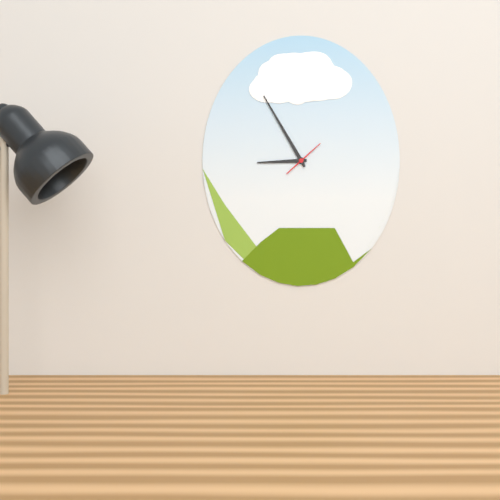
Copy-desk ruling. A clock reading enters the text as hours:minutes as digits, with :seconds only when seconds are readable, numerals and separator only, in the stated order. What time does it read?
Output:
8:55
